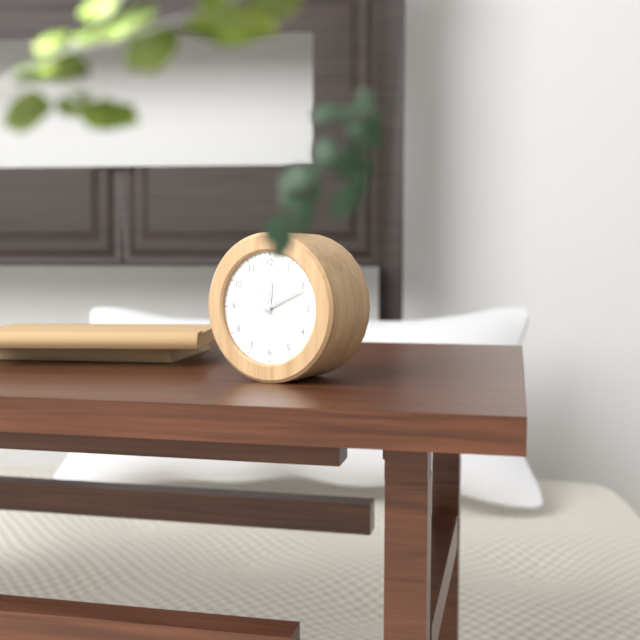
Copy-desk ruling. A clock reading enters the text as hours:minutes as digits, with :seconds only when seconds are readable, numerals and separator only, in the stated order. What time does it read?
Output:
12:11:54
